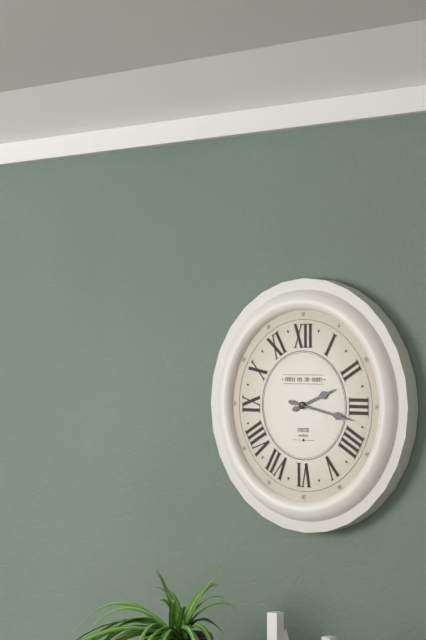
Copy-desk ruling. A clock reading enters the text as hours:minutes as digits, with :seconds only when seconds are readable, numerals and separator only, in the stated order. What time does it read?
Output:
2:17
